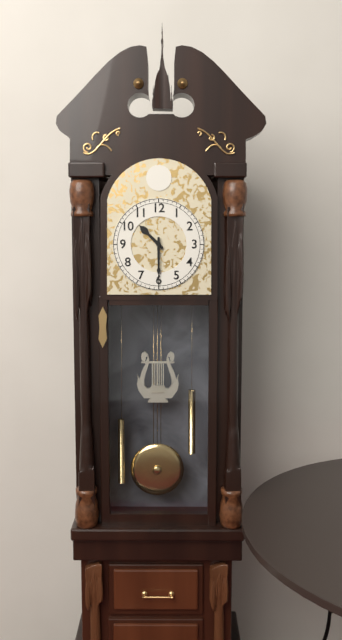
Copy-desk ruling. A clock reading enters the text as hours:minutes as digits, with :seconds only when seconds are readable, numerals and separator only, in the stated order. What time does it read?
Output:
10:30
